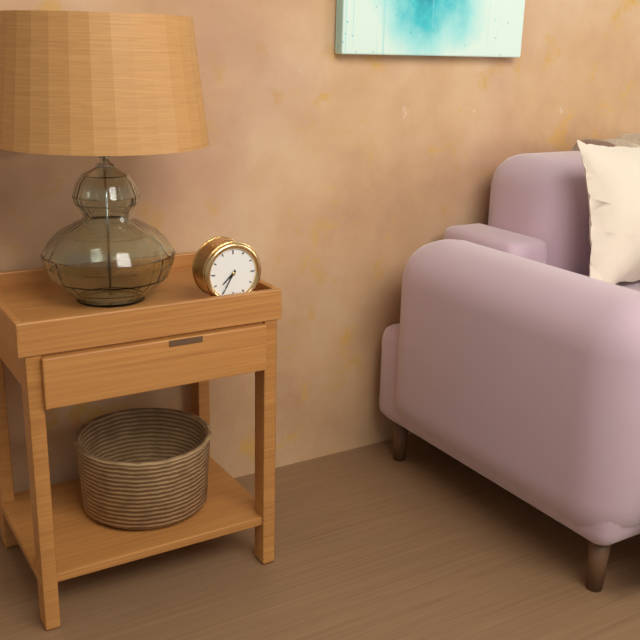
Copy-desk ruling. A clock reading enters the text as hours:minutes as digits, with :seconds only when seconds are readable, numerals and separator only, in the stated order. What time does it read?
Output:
7:35
